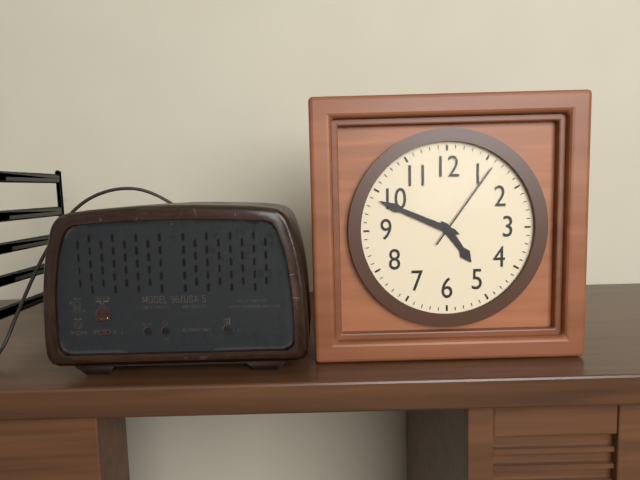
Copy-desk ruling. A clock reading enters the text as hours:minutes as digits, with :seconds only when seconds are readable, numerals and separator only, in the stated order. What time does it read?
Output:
4:49:06
